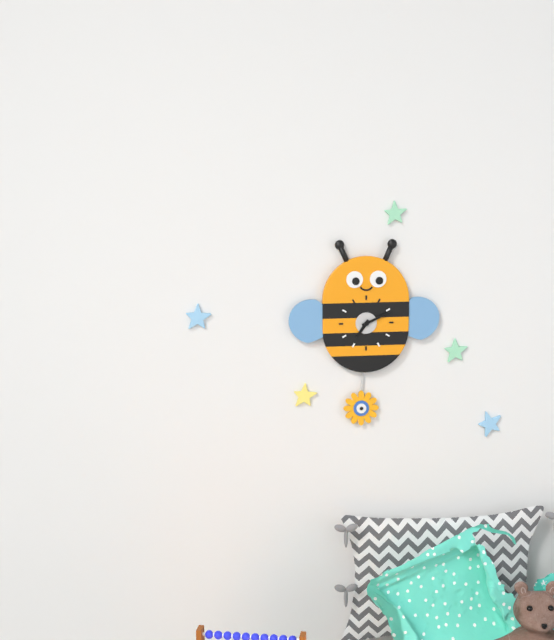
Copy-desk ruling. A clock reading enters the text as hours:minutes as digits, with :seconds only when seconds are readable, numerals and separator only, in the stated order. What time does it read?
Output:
7:11
